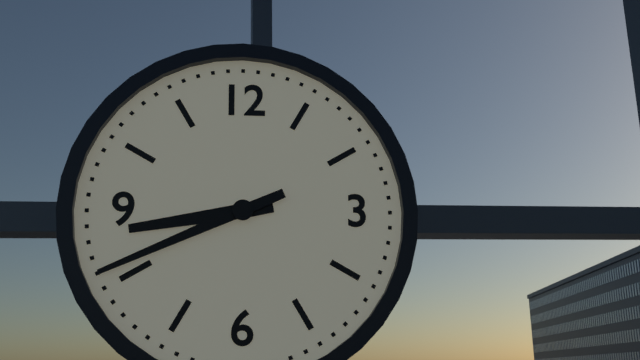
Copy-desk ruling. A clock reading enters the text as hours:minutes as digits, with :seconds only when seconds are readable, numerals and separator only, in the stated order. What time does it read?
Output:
8:41
